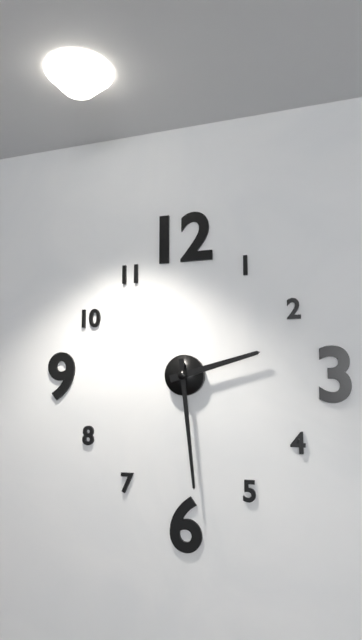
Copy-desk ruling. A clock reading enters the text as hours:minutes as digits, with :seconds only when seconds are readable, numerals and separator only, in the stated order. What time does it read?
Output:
2:29
